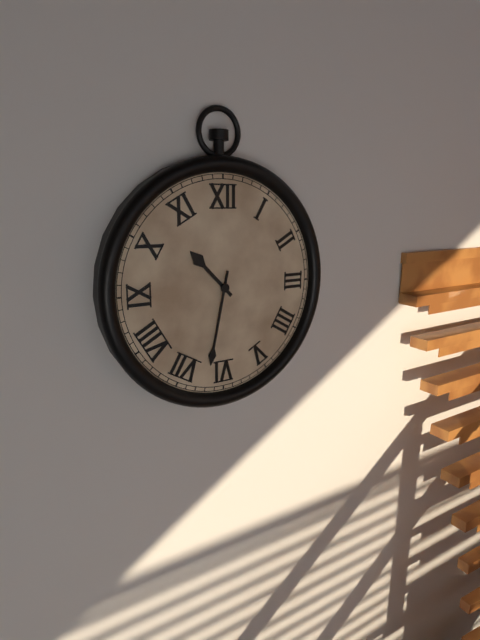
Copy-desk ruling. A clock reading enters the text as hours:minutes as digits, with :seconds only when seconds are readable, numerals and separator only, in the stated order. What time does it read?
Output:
10:32
